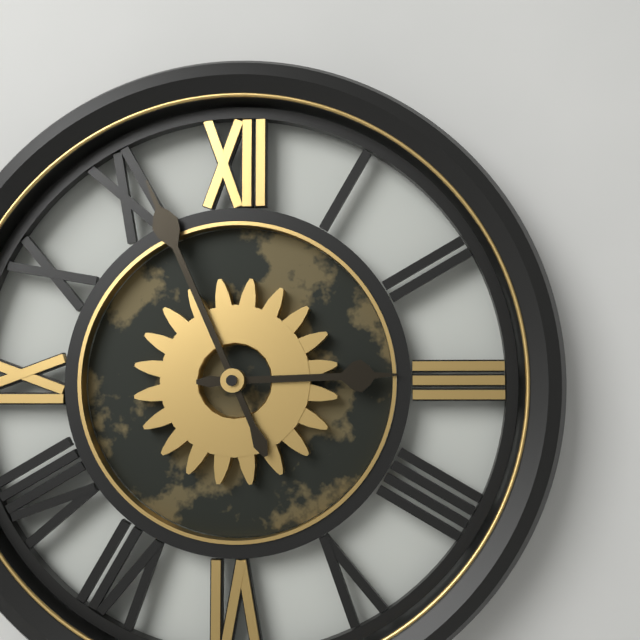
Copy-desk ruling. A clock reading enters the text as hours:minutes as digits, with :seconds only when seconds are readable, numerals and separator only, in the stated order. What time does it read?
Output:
2:56
